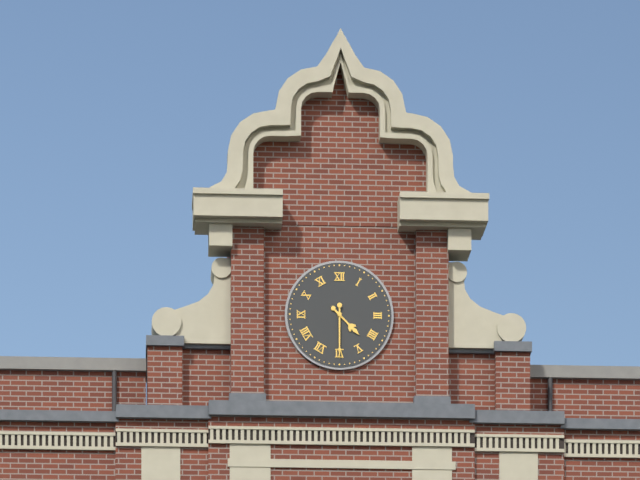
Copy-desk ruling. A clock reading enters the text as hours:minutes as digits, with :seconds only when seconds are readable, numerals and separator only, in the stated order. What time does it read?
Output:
4:30
